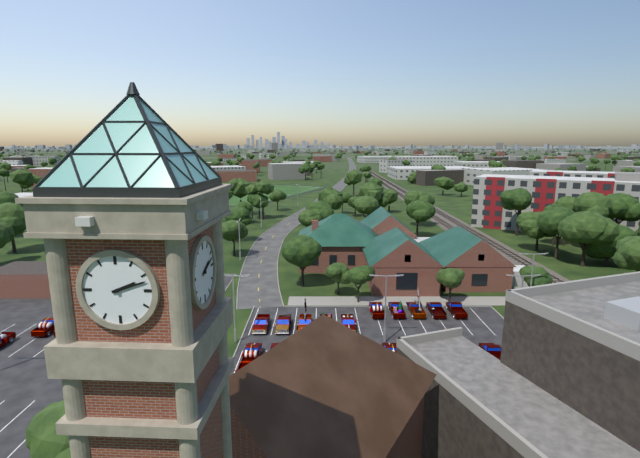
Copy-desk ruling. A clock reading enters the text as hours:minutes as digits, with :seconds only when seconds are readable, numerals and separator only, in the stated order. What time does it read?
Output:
2:12
